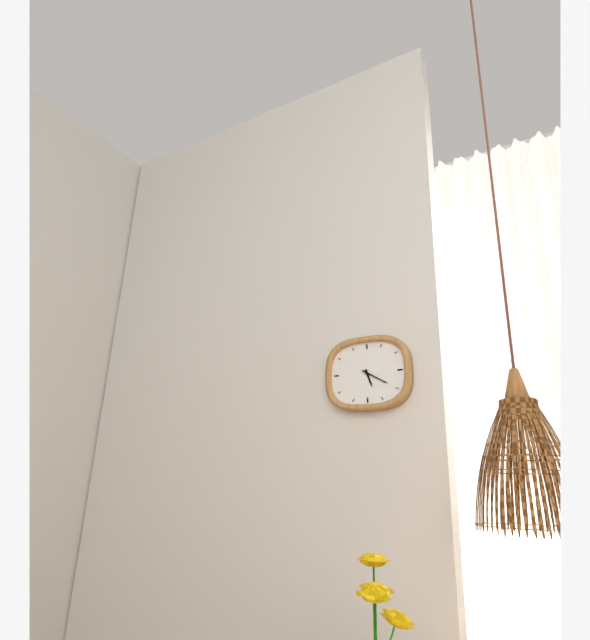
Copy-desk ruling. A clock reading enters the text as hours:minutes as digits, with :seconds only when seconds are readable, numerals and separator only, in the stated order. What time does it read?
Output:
5:20
